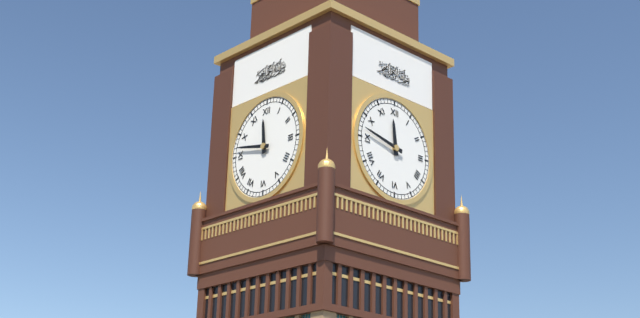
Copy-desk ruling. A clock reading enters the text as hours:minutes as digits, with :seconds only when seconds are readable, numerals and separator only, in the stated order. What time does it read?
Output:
11:47
